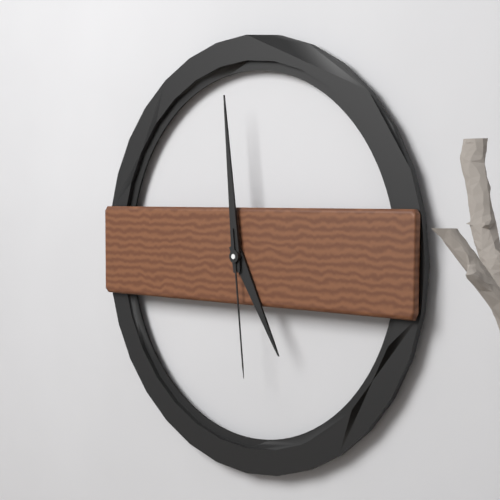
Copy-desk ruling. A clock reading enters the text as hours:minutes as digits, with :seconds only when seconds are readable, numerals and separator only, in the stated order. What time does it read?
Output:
4:59:29
